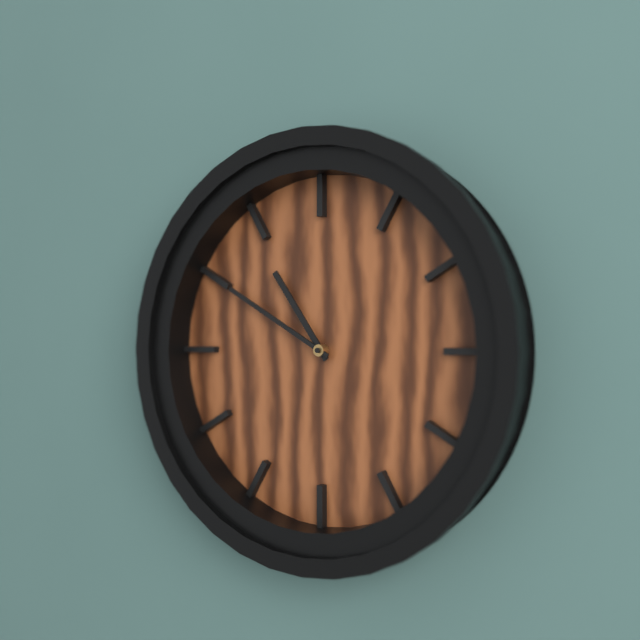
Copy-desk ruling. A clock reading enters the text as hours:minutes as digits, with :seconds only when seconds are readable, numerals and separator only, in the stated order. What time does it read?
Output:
10:50
